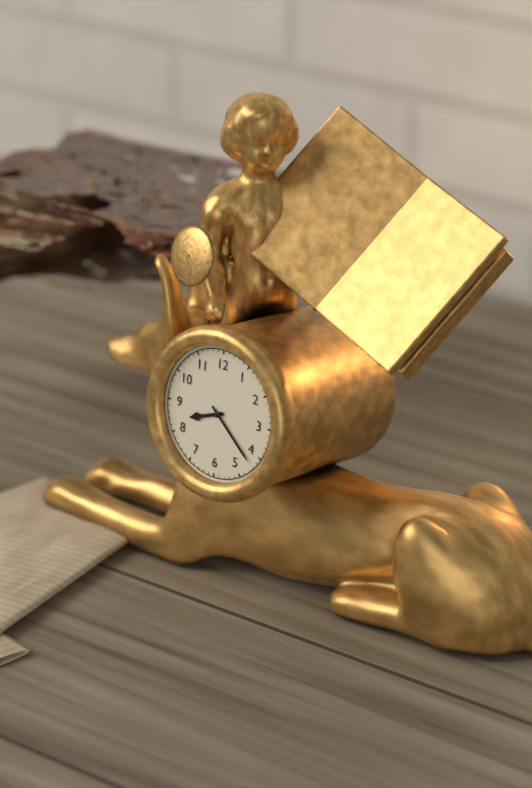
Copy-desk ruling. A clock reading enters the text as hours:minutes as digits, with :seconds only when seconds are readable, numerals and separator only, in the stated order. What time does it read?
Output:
8:22
